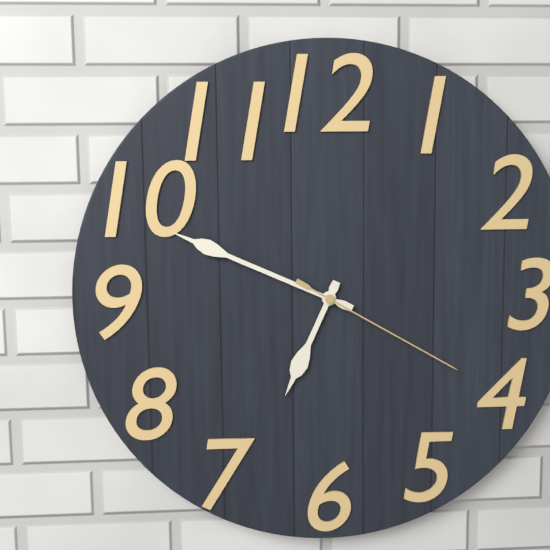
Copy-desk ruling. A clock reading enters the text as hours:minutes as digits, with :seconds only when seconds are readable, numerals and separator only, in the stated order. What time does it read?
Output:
6:49:20
